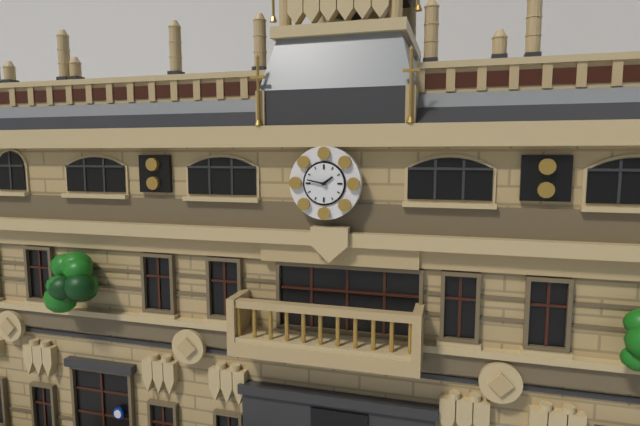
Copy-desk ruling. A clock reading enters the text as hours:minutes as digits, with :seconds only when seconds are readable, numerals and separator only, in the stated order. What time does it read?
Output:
1:47
